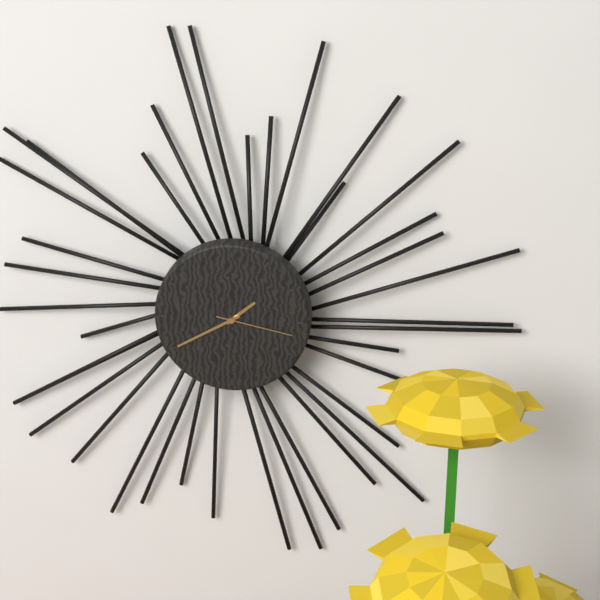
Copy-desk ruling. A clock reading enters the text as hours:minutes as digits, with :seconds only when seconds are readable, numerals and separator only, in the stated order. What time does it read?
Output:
1:40:17
